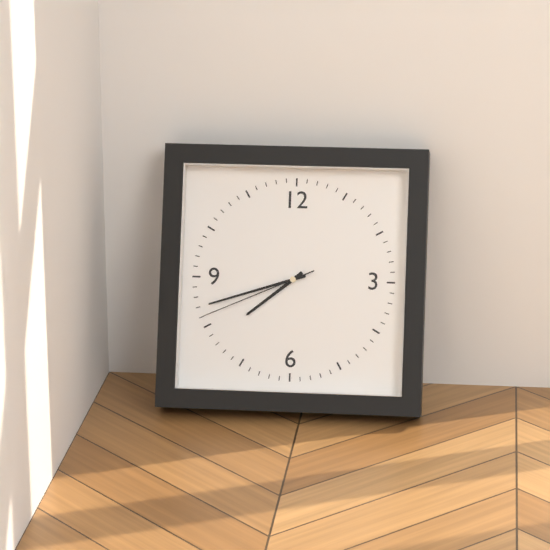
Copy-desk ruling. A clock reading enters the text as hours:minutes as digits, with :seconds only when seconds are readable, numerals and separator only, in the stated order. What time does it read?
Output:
7:42:41
